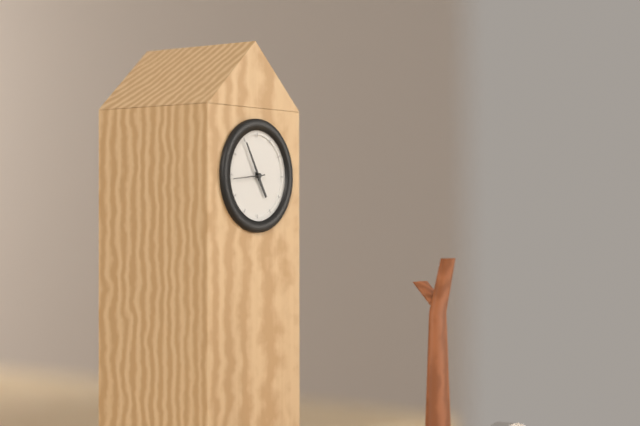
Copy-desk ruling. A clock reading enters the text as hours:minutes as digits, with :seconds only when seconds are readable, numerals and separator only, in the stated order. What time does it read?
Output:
4:55
